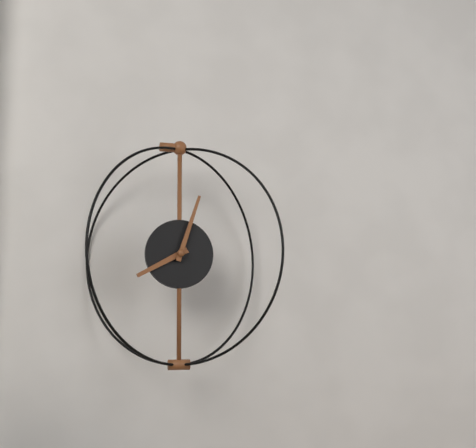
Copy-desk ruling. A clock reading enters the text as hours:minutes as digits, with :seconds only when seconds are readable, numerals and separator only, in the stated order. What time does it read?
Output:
8:03
